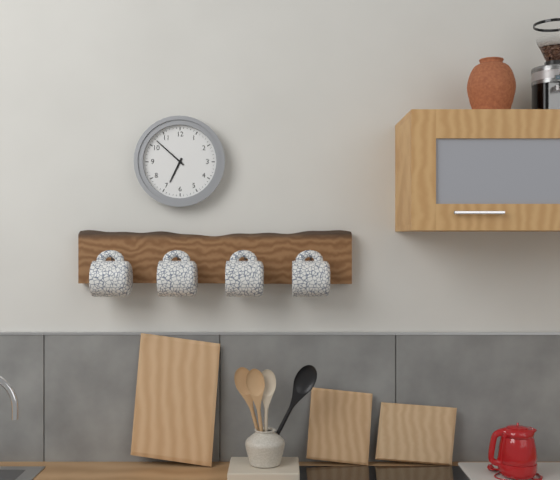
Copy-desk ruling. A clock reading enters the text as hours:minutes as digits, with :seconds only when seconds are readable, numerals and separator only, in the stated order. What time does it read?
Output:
6:52
